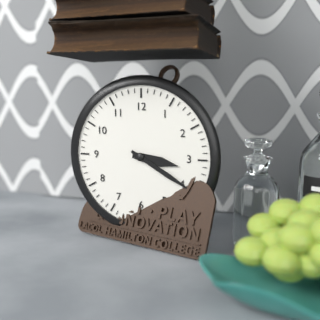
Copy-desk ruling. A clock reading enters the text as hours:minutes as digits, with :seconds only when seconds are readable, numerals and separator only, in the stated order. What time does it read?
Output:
3:20
